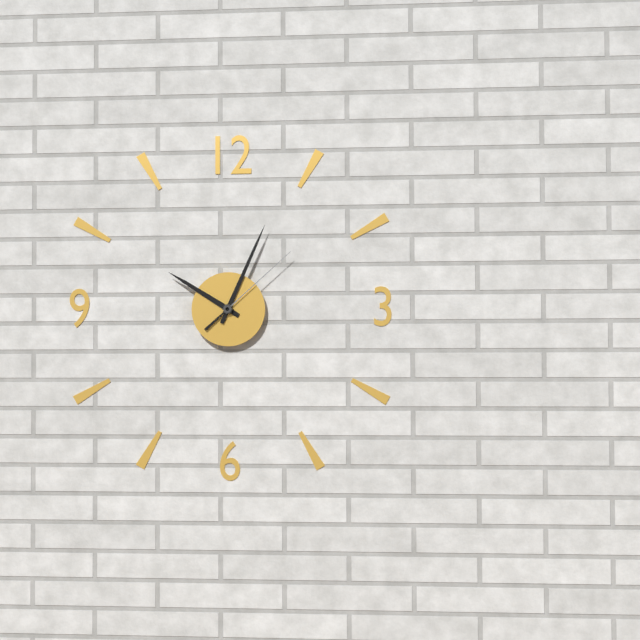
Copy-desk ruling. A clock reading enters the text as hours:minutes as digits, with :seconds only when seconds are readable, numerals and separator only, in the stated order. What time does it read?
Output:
10:04:08
